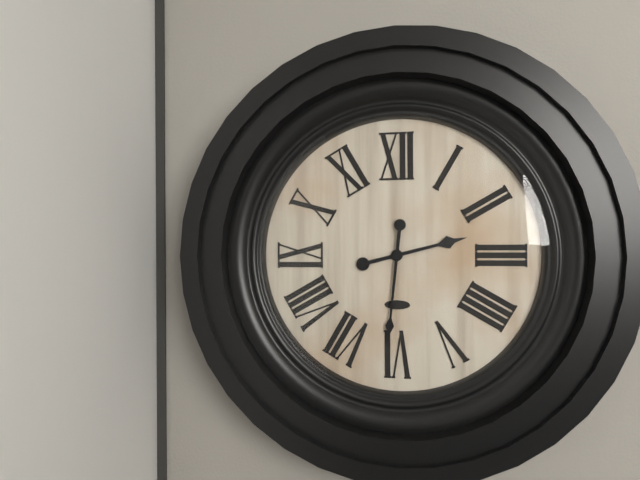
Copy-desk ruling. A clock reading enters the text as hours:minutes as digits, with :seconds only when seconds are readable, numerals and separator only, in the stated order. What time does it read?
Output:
2:31
